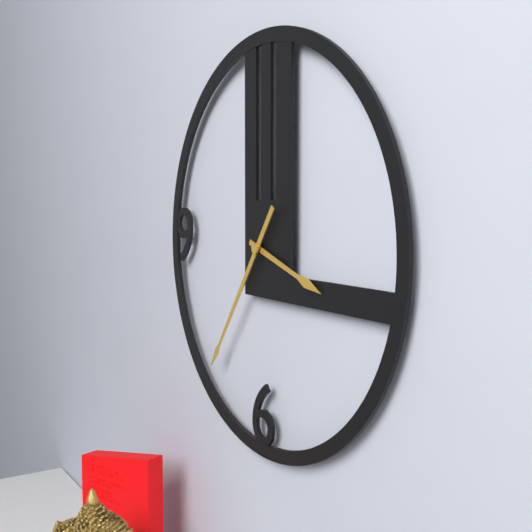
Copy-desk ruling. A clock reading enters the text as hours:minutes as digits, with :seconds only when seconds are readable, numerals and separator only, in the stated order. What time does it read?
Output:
3:36
